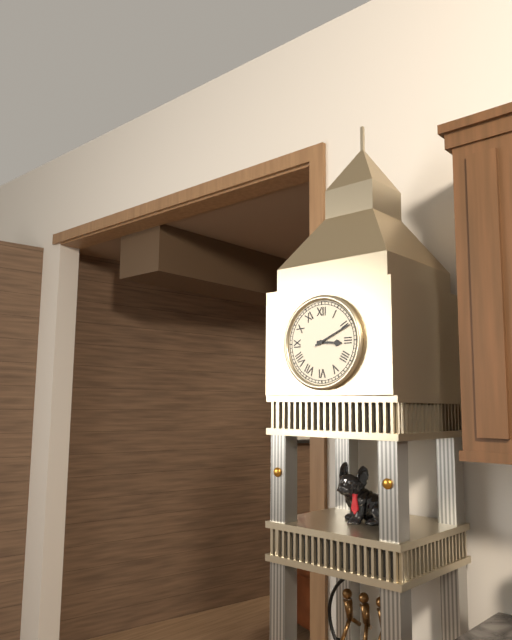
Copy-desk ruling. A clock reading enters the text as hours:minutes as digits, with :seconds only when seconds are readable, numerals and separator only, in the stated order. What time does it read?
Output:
3:11
